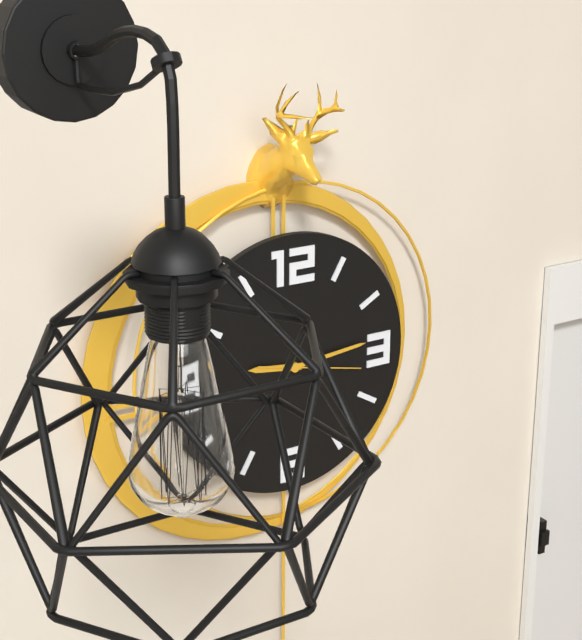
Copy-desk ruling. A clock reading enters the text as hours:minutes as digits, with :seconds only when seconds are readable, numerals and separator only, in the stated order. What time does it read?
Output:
9:14:17
